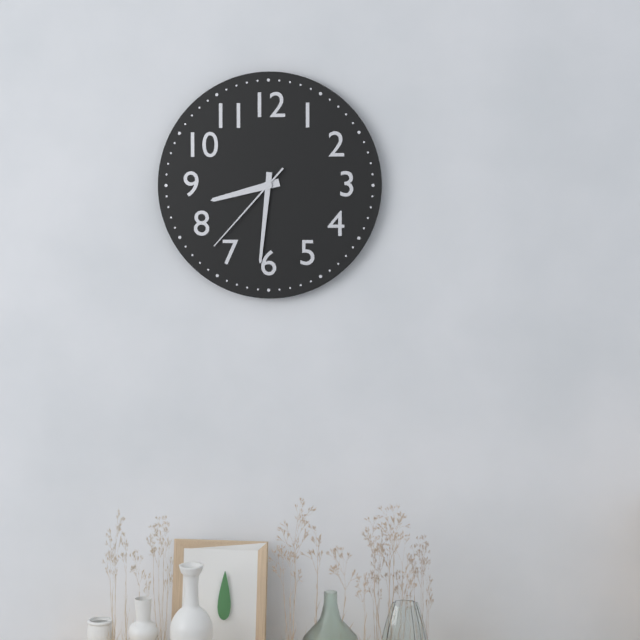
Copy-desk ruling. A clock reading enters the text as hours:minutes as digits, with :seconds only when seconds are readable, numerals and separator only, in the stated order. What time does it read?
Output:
8:31:37
